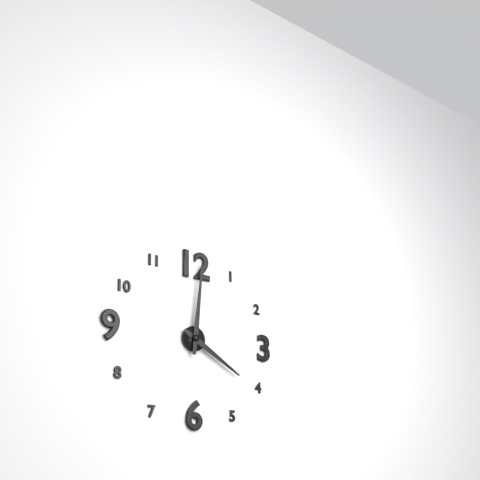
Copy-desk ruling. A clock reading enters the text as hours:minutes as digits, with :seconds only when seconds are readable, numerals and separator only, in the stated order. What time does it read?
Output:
4:01
